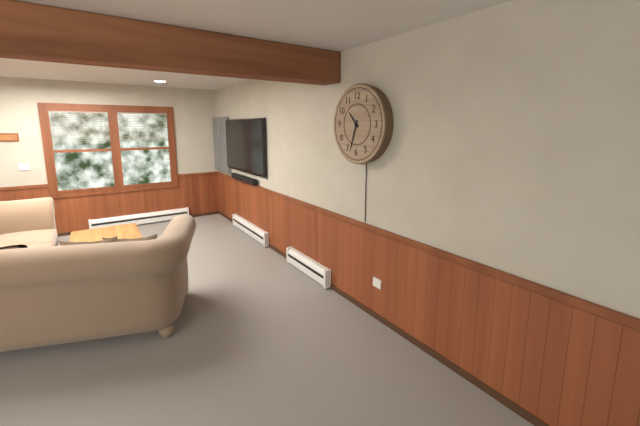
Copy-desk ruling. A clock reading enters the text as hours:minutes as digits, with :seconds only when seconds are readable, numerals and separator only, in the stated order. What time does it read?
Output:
10:33
